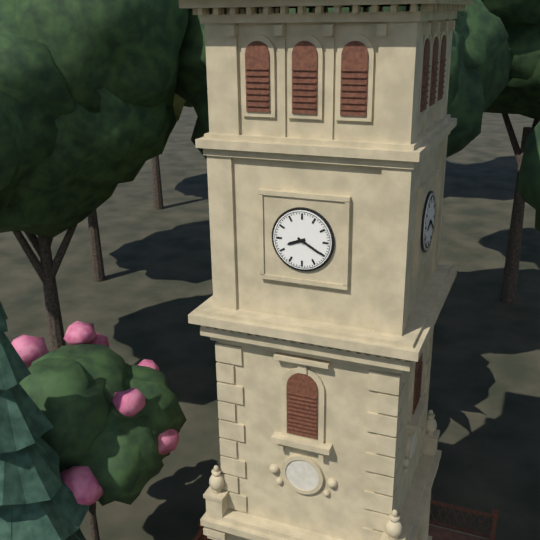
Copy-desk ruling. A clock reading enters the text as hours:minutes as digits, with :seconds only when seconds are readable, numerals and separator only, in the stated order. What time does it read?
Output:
8:20
